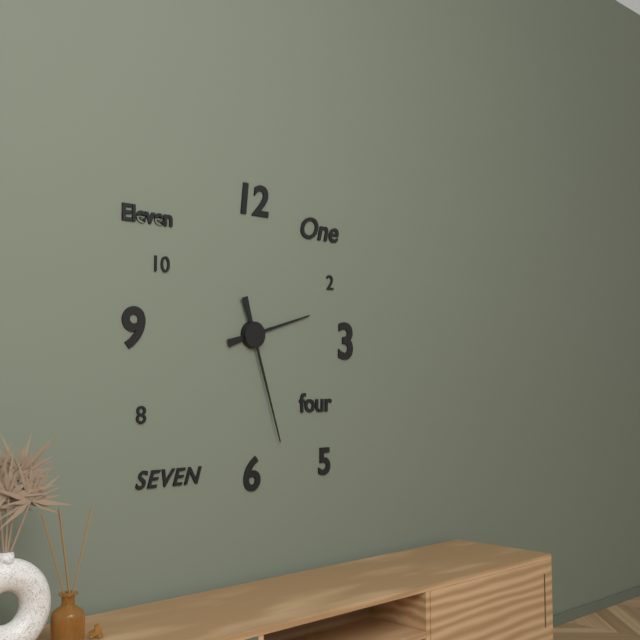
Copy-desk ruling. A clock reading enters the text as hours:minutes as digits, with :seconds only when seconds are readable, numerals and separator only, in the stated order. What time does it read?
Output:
2:27
